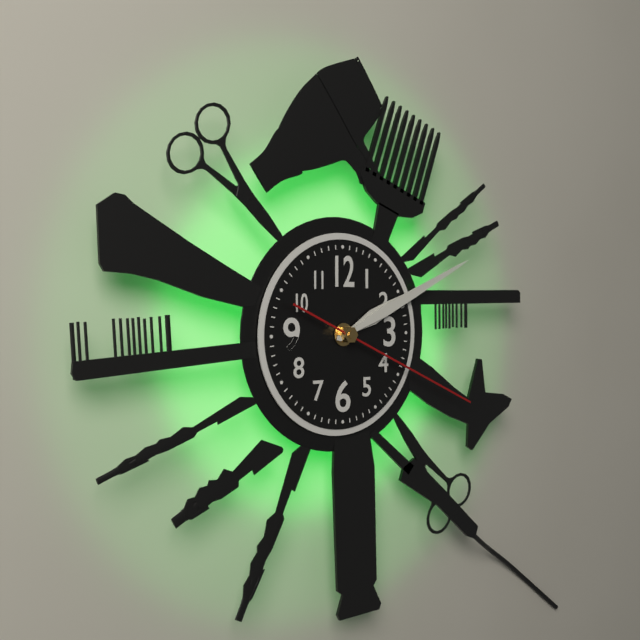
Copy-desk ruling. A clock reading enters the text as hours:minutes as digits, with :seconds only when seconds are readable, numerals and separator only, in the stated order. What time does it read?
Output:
2:11:19
